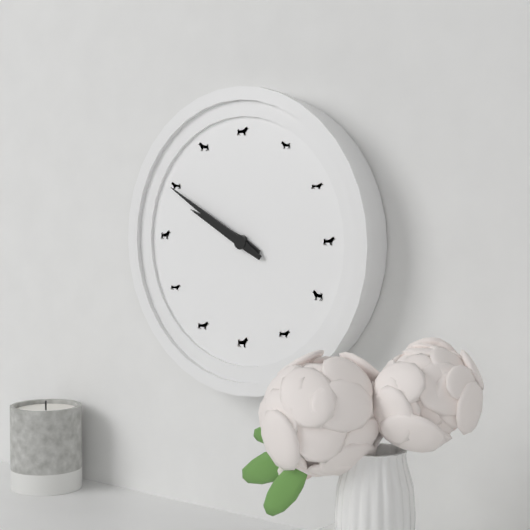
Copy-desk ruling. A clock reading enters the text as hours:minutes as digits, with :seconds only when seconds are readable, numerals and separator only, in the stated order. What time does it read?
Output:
9:50
